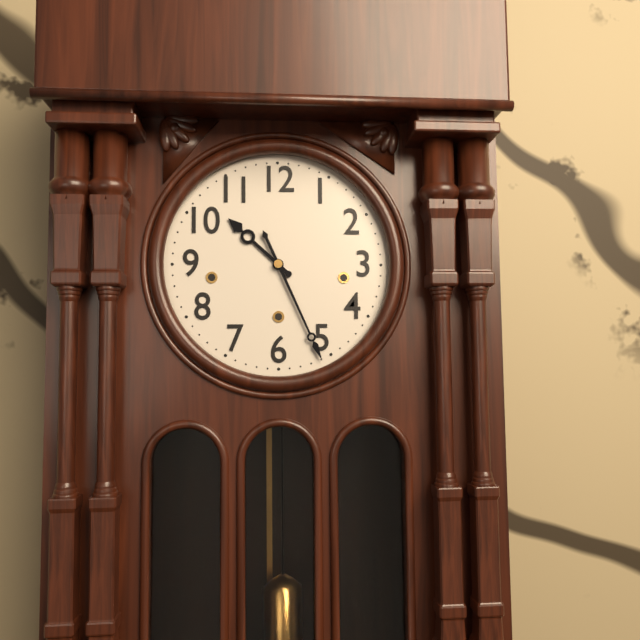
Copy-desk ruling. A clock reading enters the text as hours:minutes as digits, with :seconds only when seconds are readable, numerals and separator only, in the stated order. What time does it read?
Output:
10:26
